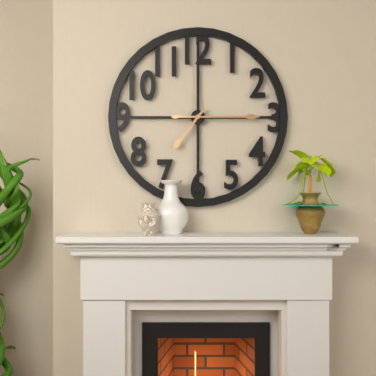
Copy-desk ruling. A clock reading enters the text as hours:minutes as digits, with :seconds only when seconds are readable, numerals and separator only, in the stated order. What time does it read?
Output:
7:15
